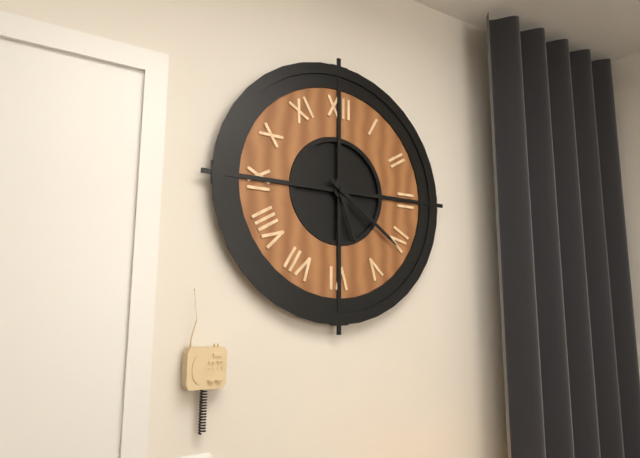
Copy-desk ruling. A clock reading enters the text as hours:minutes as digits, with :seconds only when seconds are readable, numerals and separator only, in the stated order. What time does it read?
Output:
5:21
